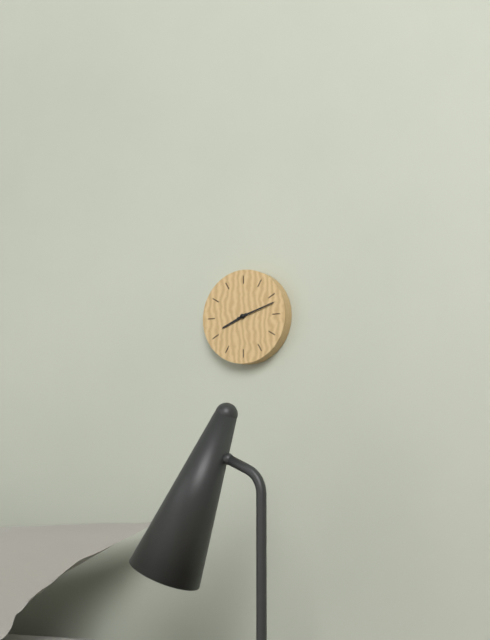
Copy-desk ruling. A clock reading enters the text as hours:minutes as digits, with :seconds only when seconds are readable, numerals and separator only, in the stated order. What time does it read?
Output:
8:12
